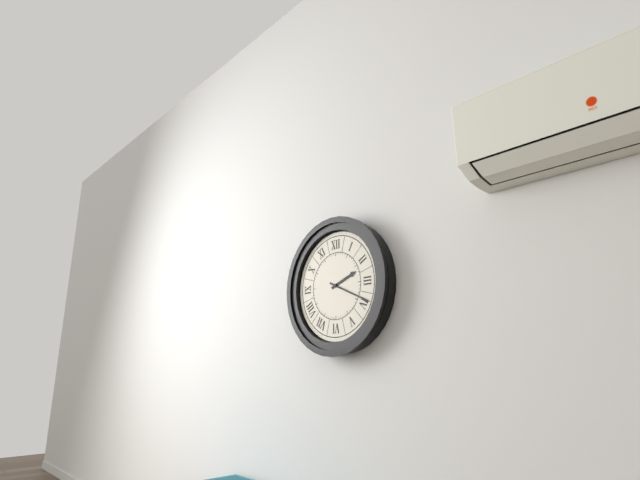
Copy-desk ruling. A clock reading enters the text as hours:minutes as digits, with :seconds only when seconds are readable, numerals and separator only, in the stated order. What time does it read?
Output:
2:19
